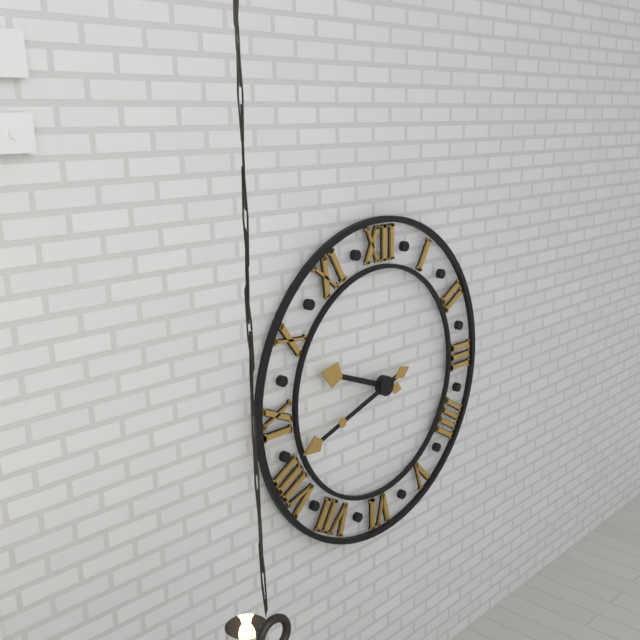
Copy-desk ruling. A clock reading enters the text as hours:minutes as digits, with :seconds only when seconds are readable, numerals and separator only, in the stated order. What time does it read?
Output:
9:42
